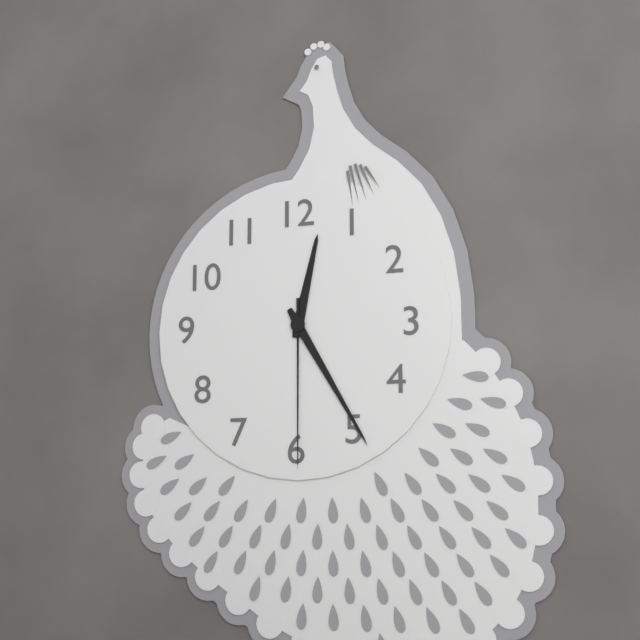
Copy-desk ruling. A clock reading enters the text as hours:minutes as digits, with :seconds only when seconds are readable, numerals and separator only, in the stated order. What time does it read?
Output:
12:25:30
